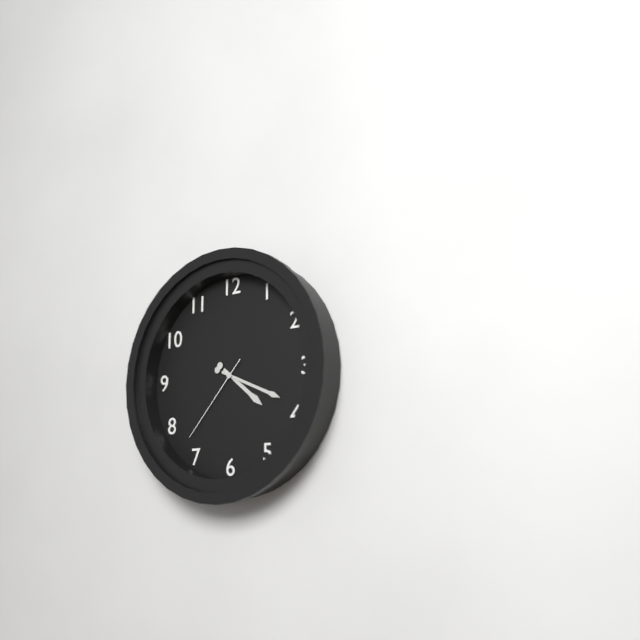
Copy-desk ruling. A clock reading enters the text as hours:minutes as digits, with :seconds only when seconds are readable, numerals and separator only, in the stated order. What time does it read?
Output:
4:19:37
